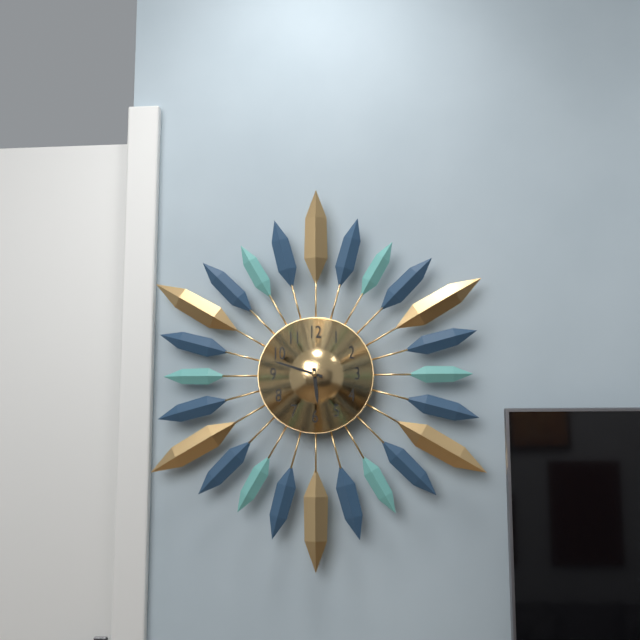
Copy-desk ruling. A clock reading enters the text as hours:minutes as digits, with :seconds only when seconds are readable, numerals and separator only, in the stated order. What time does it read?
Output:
5:48
